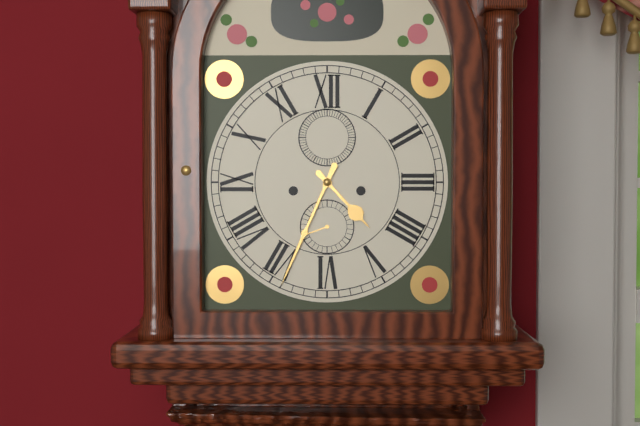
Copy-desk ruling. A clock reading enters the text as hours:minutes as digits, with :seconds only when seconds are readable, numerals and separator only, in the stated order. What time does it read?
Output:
4:34
